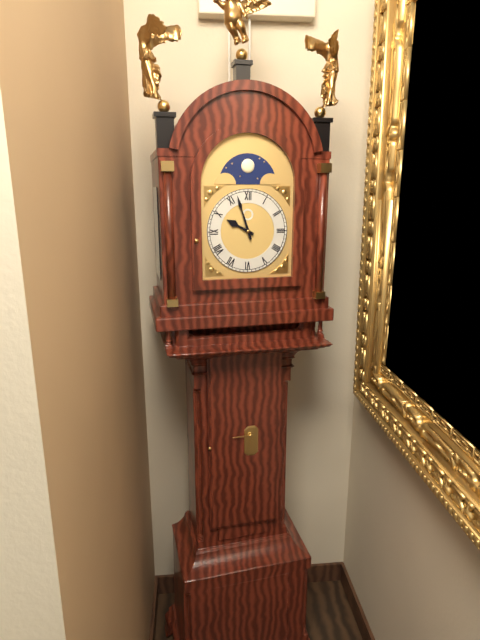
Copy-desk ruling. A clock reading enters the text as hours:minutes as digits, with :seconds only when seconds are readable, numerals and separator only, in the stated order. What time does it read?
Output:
9:57
